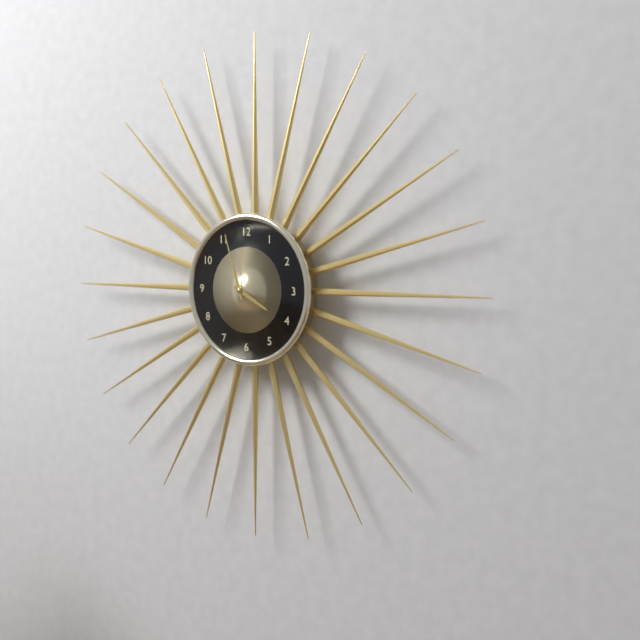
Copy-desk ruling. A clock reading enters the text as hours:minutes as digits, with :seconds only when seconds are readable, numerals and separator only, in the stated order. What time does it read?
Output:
3:57
